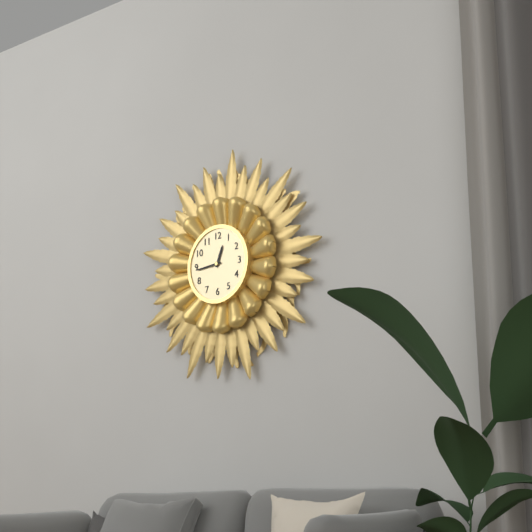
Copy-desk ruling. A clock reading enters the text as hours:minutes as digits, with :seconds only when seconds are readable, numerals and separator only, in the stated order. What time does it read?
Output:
12:44
